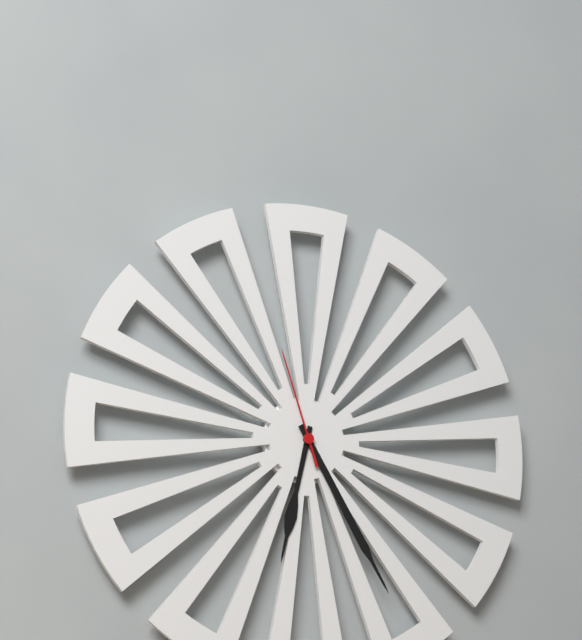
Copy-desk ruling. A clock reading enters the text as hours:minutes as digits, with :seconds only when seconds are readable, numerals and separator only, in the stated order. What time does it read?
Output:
6:25:57
